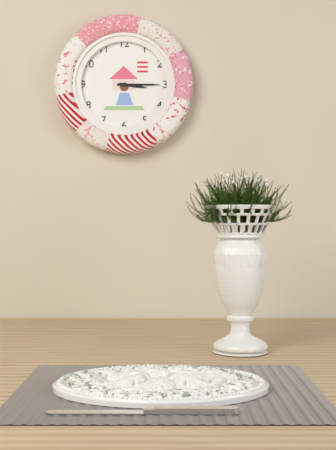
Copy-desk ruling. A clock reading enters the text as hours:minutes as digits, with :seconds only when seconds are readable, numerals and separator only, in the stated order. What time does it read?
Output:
3:15
